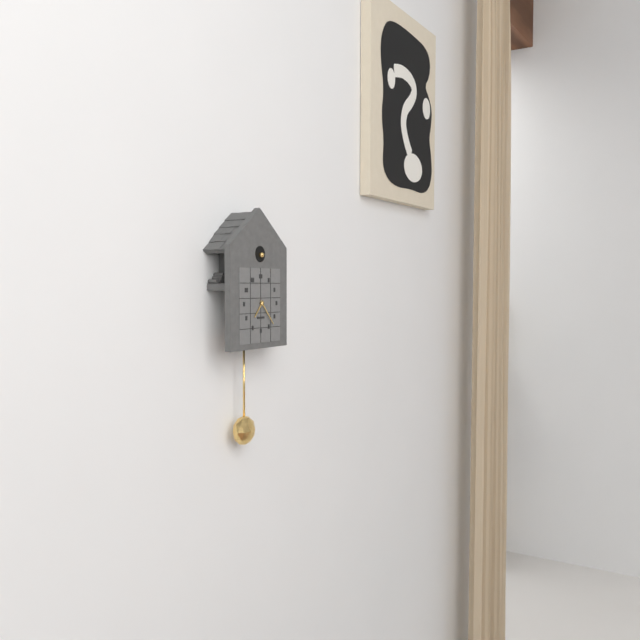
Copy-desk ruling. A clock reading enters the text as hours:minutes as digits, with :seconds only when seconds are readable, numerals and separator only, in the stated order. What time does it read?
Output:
7:23
